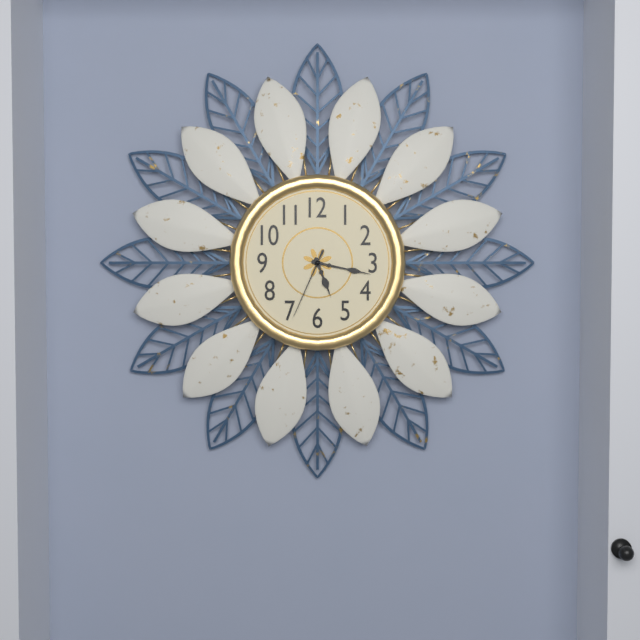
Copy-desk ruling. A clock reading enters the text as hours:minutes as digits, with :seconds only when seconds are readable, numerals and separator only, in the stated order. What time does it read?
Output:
5:17:34
